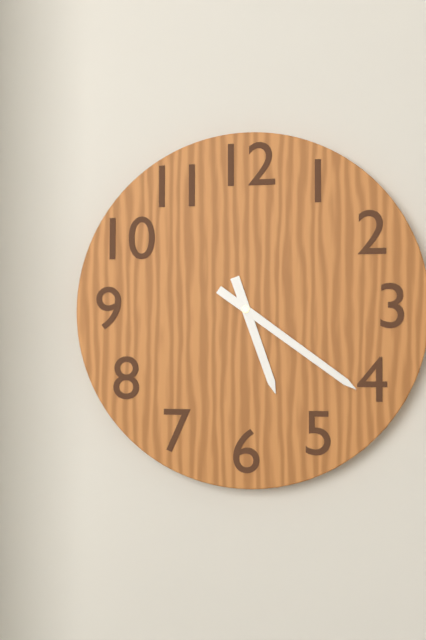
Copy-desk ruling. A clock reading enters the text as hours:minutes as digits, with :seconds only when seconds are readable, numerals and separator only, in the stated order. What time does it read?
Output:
5:21
